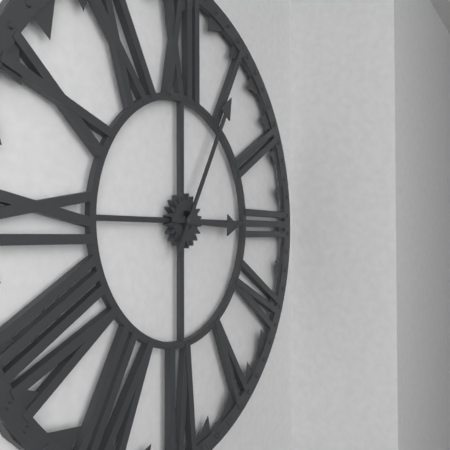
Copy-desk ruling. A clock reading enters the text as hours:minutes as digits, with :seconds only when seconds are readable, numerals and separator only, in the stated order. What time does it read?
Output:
3:05
